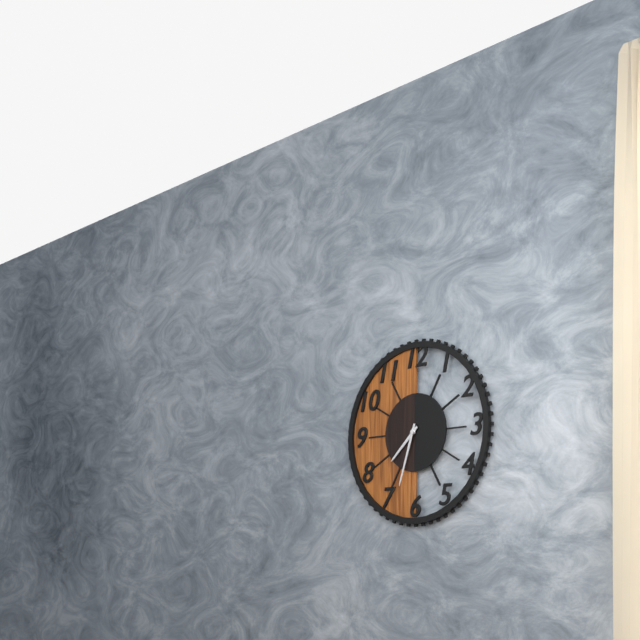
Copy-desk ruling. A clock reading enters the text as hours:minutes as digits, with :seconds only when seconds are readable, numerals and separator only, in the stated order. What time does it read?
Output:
7:33
